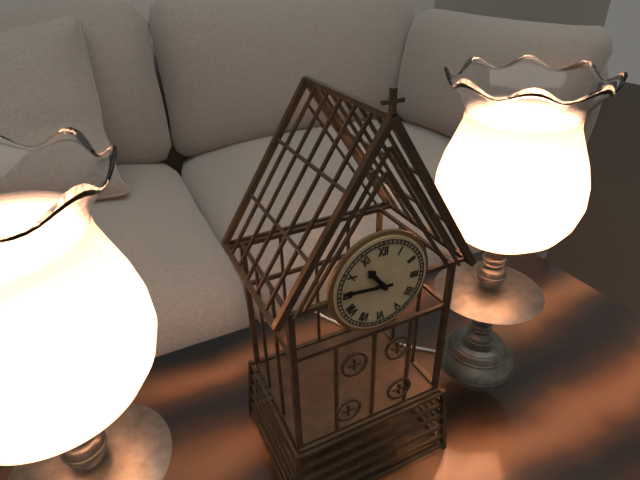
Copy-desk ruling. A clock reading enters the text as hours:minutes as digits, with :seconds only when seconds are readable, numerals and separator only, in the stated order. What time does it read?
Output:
10:46
